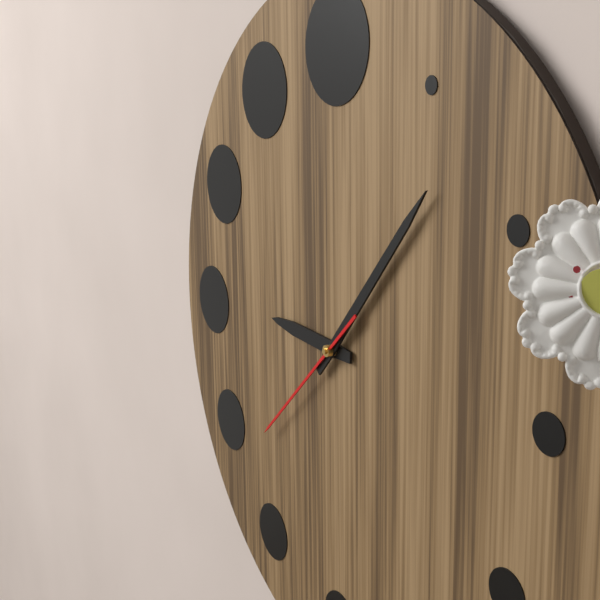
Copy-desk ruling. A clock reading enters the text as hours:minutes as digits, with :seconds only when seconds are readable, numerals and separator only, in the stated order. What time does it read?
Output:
9:07:38
